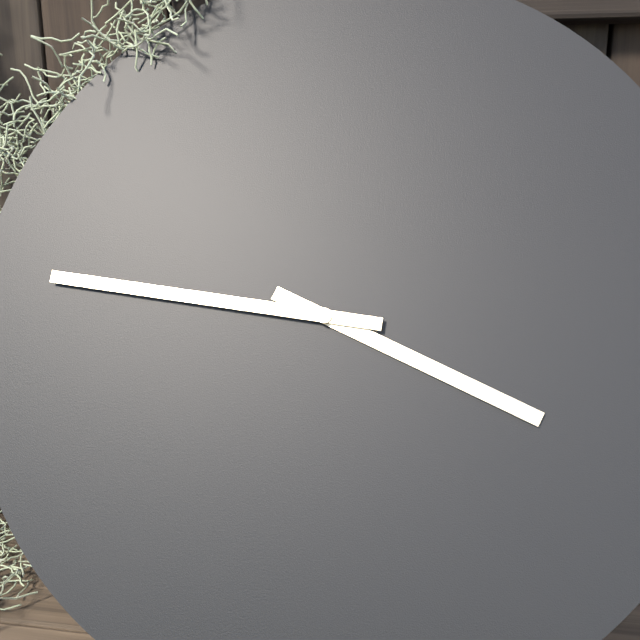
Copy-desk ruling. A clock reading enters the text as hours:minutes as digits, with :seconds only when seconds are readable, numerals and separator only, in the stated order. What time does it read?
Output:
3:46
